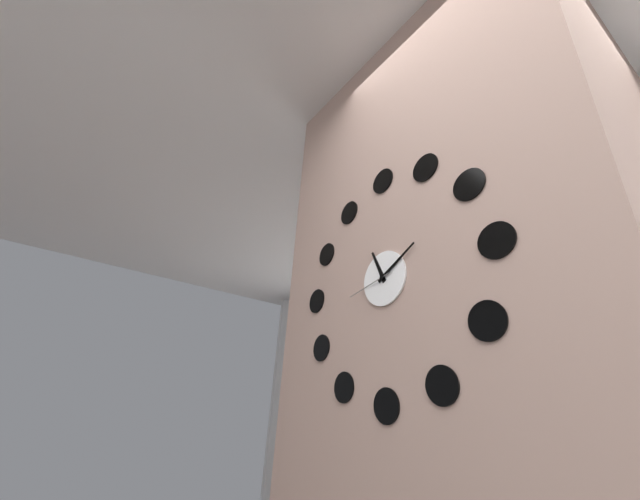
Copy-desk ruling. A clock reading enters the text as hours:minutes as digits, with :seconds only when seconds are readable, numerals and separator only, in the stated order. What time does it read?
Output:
11:10
